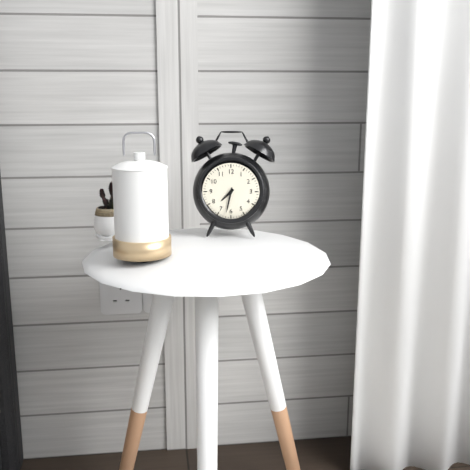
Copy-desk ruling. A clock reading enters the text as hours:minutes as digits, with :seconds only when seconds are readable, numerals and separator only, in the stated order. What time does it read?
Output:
7:32
